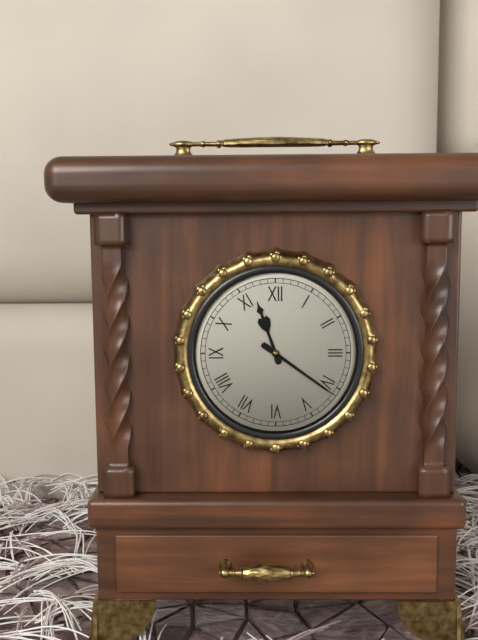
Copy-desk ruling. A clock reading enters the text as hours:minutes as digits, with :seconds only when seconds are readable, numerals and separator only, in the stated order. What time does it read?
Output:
11:21
